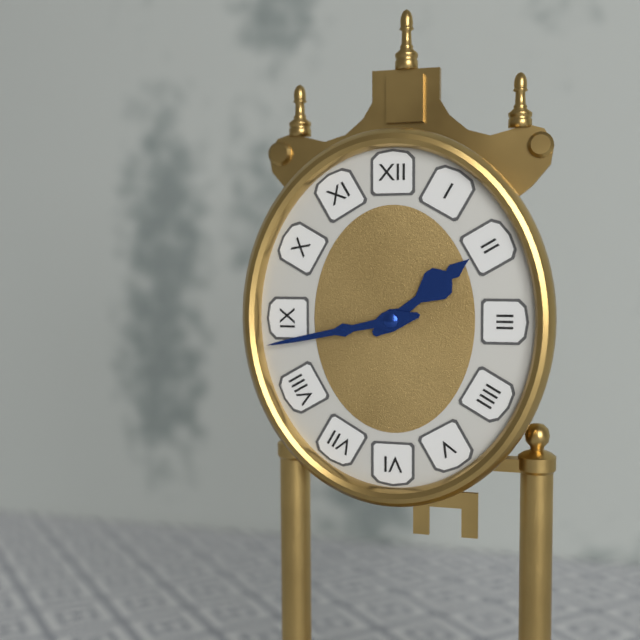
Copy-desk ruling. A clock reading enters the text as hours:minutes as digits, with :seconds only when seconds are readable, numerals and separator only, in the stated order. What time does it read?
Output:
1:43
